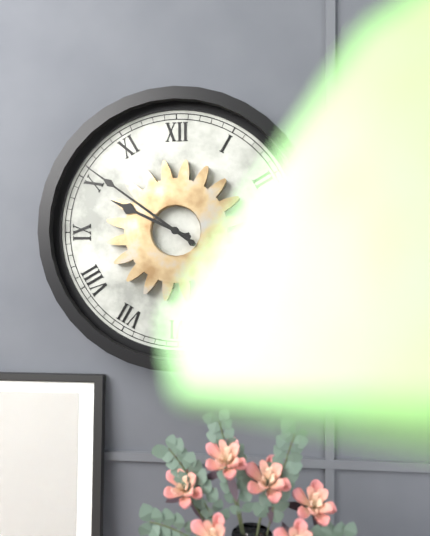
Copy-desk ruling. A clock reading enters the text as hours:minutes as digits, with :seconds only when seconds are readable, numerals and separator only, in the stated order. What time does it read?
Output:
9:51
